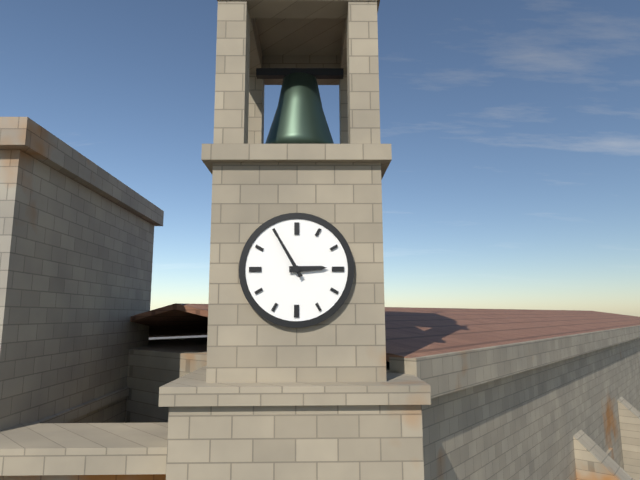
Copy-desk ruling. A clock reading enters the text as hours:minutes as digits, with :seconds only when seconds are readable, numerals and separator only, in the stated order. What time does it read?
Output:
2:55
